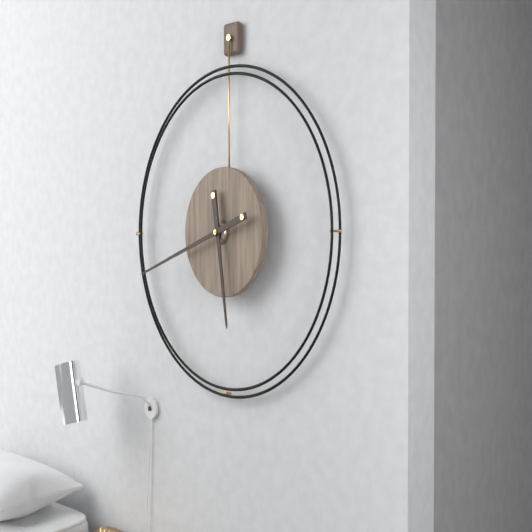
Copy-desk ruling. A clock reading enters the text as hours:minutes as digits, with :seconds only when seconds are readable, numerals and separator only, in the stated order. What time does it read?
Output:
5:42
